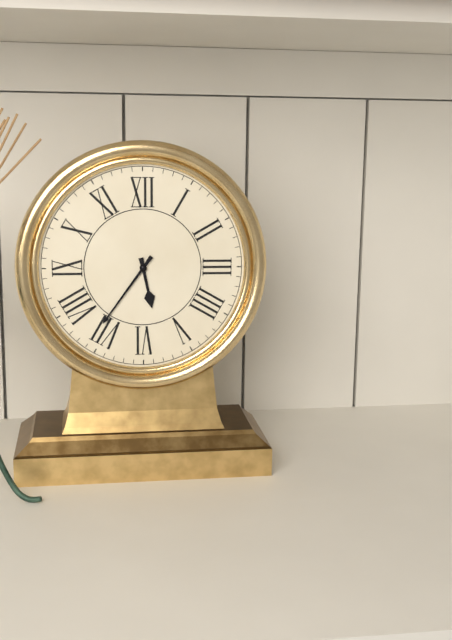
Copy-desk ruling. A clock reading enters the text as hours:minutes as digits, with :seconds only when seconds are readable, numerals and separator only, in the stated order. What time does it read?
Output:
5:36
